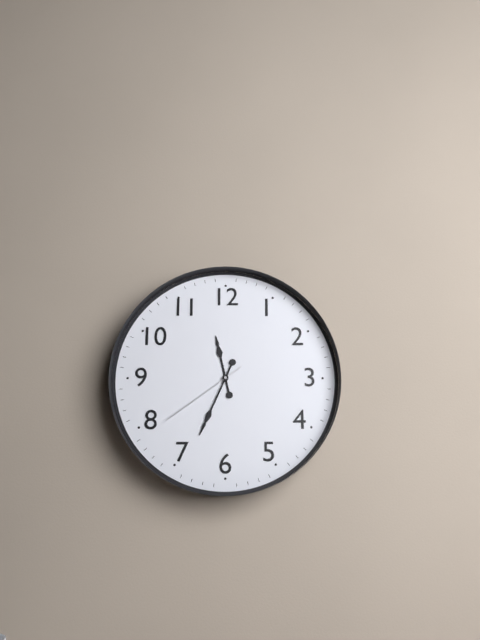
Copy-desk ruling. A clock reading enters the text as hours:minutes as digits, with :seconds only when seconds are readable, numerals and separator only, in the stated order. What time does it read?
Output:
11:34:39
